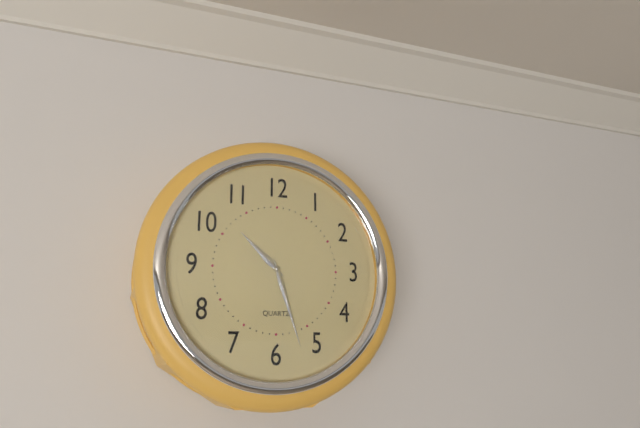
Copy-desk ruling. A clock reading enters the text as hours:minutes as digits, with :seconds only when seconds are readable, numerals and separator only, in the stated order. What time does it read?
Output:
10:27
